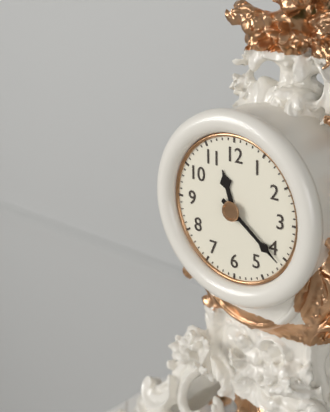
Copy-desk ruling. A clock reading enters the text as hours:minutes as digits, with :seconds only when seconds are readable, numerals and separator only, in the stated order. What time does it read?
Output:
11:21
